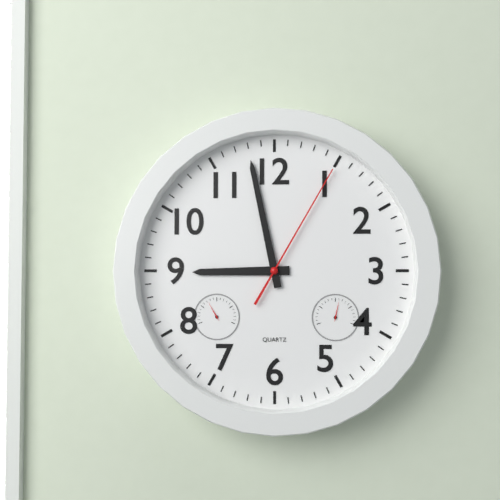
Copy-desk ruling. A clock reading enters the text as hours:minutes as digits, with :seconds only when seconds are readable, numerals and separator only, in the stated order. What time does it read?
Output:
8:58:05
